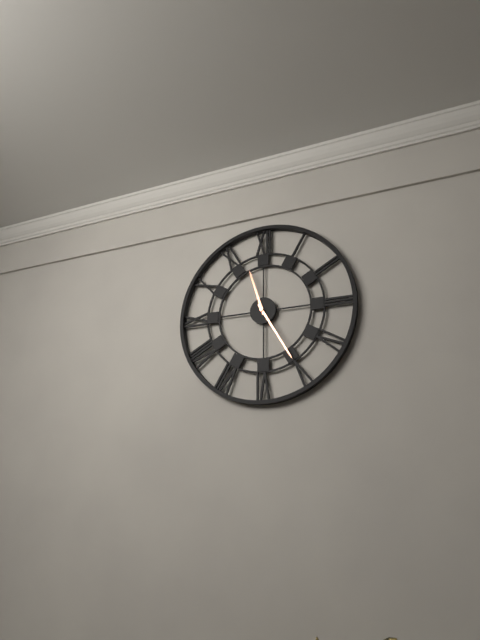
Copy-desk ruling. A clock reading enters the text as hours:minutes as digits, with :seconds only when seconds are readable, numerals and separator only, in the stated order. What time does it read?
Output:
11:25
